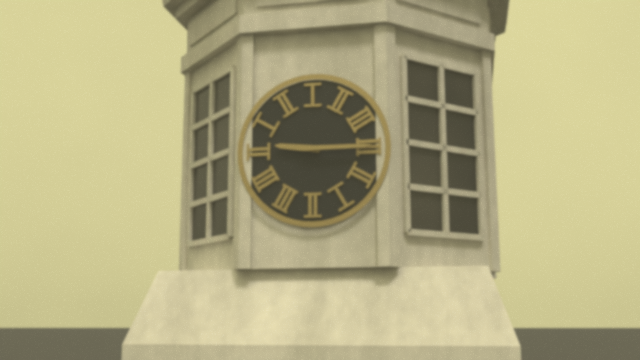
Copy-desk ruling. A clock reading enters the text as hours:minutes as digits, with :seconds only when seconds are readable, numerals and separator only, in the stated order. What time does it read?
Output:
9:15
